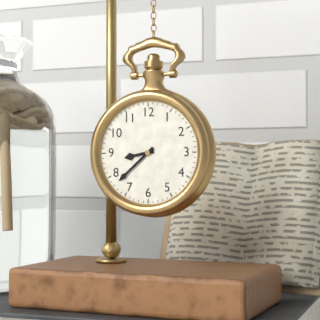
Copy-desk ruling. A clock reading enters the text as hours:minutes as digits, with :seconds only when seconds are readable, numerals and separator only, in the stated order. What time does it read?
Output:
8:38
